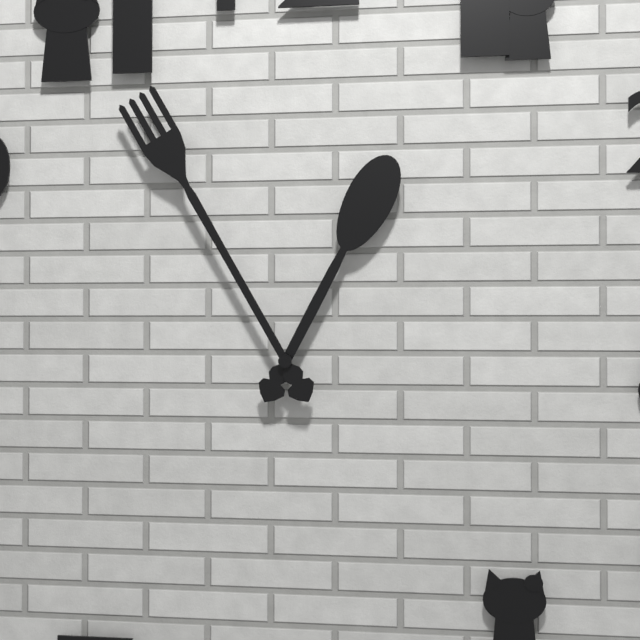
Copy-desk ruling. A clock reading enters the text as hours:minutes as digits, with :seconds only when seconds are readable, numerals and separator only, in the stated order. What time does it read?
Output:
12:55
